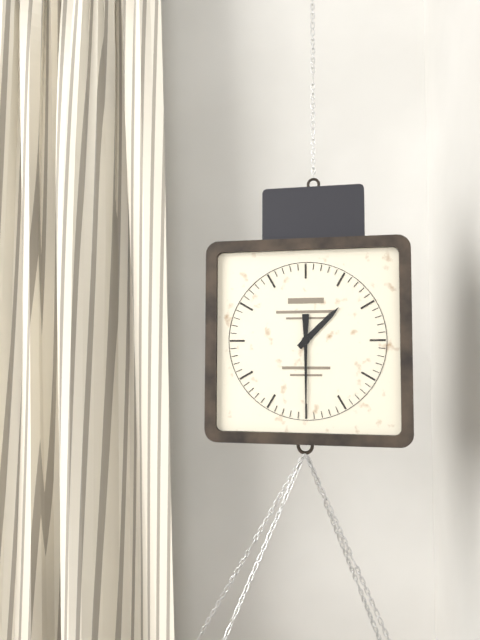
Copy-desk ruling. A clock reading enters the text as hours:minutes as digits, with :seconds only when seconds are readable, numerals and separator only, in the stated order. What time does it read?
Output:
1:30
